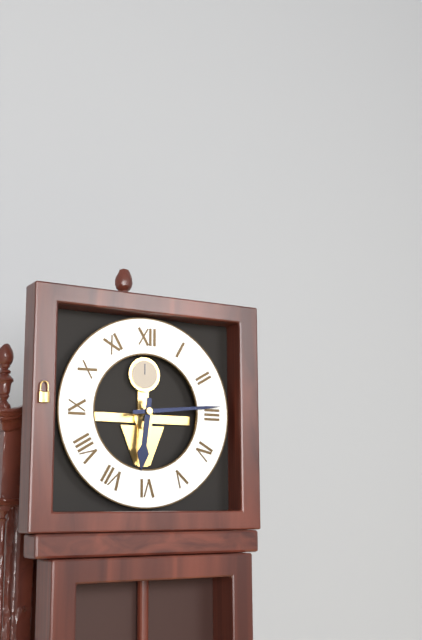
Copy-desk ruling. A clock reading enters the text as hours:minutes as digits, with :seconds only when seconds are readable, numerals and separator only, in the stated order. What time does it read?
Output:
6:14
